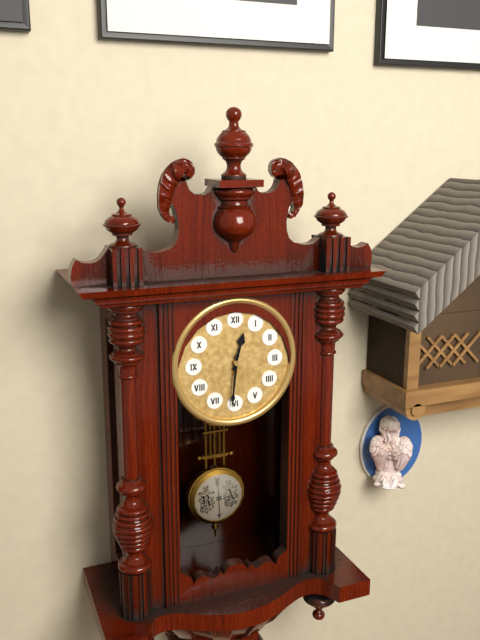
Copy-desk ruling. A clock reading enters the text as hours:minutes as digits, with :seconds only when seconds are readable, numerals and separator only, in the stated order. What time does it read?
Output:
12:31
